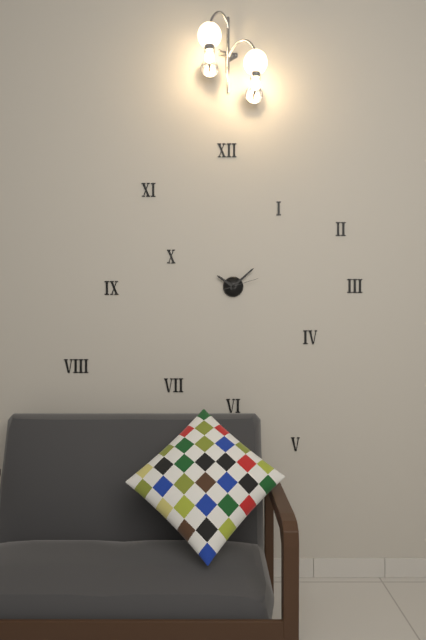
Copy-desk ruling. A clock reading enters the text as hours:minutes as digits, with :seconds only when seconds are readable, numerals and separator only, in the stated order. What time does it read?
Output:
10:08
